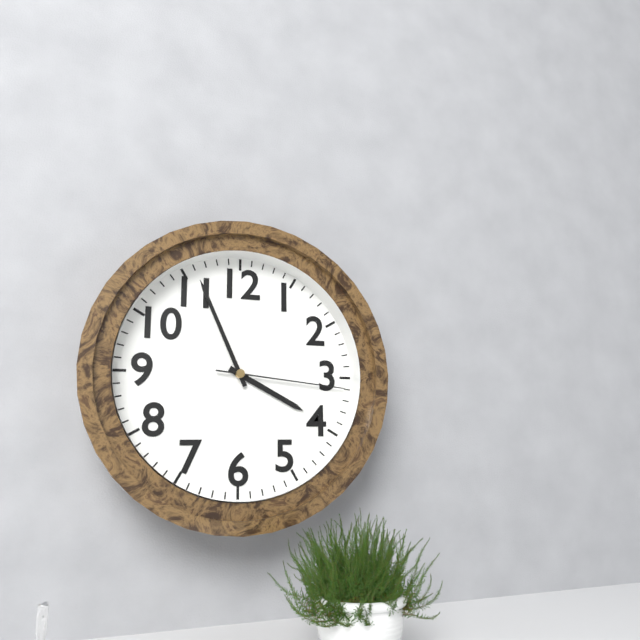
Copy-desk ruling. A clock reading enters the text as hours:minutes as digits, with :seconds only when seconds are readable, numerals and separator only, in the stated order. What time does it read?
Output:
3:56:16
